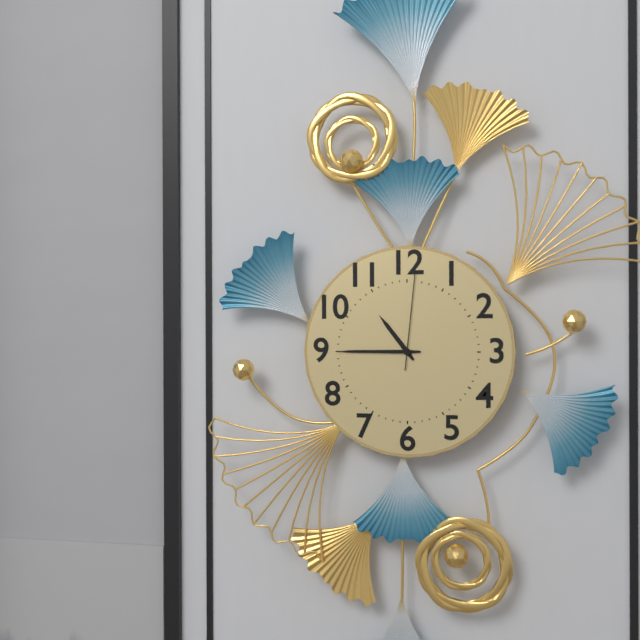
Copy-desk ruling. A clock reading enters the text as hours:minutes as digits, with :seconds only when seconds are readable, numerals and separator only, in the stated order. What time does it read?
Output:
10:45:01
